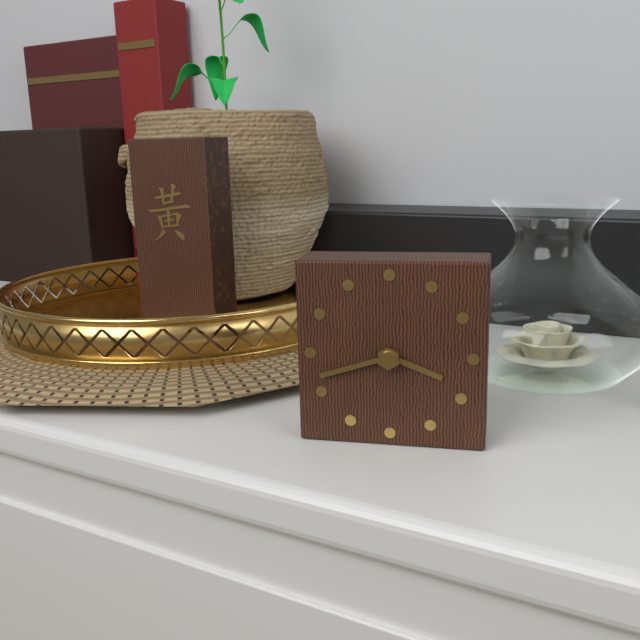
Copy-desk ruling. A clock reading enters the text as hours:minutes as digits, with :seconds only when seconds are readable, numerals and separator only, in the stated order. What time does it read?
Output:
3:42
